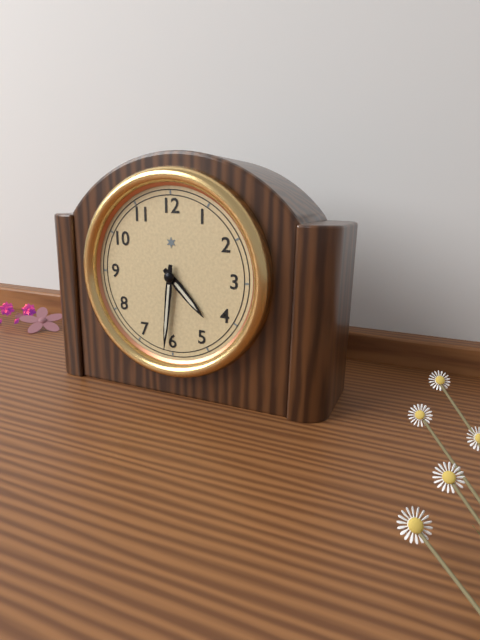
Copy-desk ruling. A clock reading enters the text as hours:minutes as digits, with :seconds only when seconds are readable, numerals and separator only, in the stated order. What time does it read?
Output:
4:31
